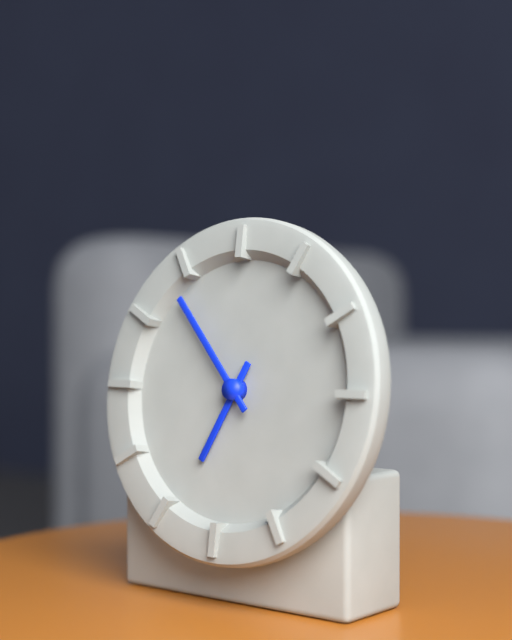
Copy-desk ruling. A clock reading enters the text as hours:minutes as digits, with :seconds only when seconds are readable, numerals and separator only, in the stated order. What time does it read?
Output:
6:53
